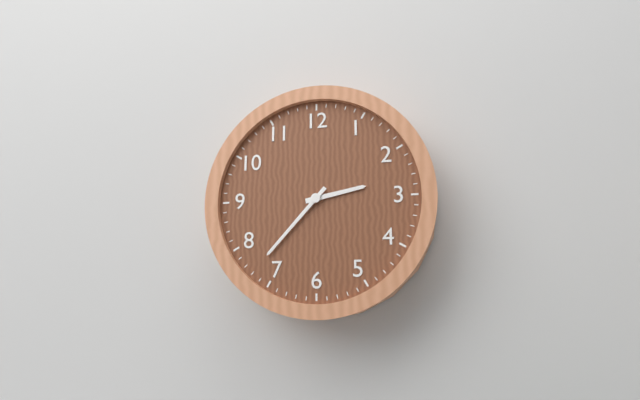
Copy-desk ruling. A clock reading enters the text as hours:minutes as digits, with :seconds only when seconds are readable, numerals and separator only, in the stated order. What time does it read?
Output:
2:37
